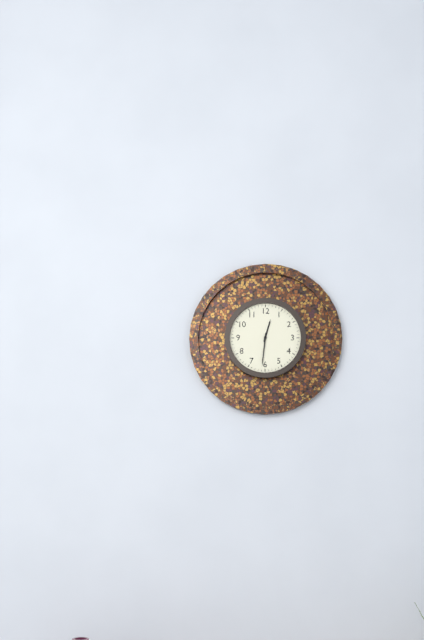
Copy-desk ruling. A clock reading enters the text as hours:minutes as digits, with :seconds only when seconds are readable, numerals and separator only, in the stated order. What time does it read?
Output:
12:31
